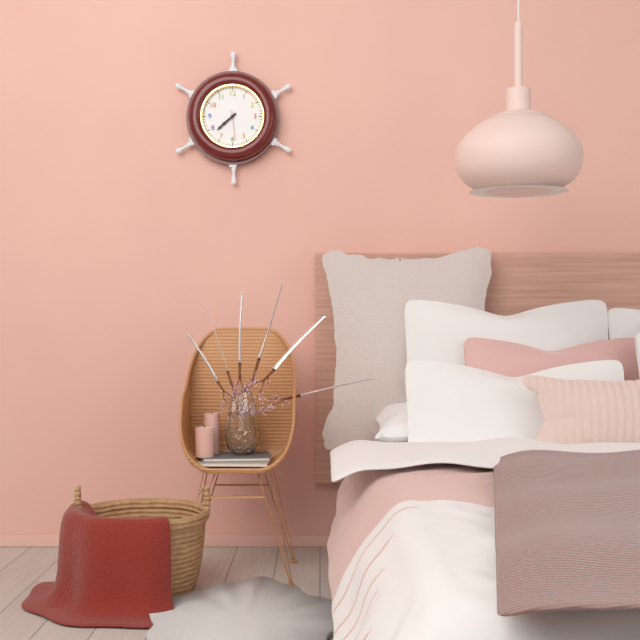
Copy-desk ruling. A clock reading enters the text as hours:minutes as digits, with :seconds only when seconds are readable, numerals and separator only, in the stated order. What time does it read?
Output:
7:38
